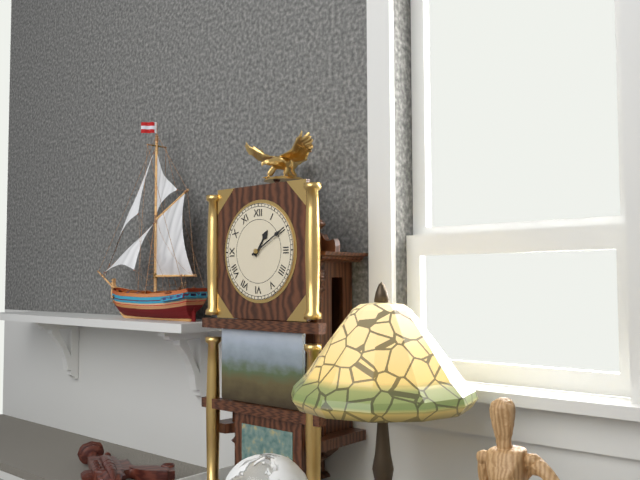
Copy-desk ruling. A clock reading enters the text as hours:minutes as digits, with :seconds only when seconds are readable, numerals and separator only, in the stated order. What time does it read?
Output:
1:10
